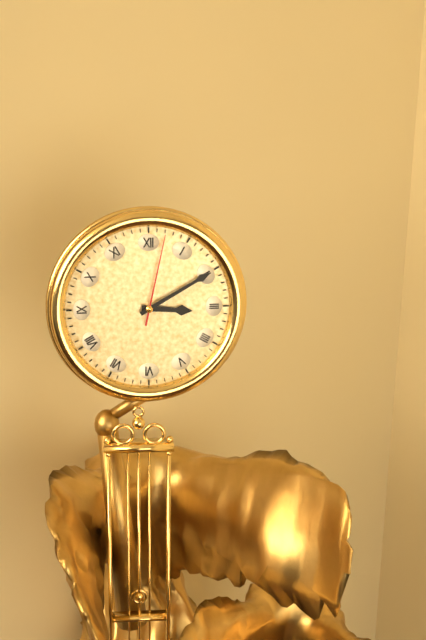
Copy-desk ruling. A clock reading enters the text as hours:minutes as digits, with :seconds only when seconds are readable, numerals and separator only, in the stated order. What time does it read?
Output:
3:10:02
